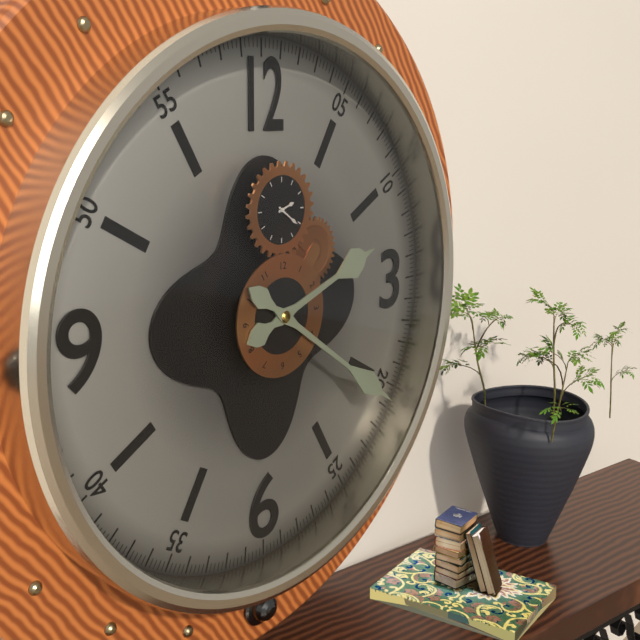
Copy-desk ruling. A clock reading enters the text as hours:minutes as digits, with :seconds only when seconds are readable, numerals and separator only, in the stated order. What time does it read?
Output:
2:21
